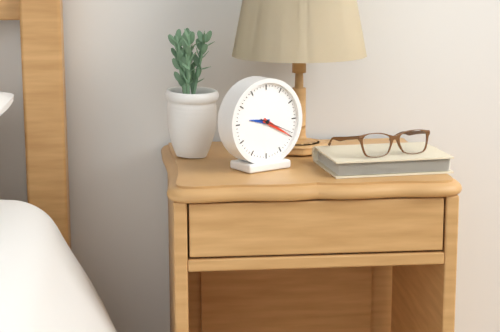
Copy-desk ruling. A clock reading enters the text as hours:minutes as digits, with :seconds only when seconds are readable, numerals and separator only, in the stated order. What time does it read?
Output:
9:20
